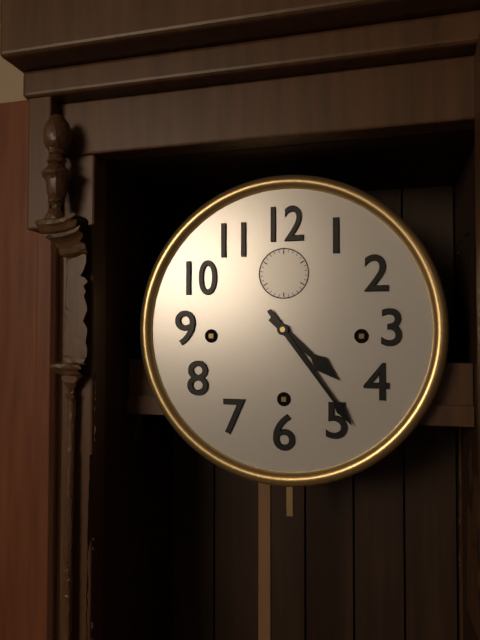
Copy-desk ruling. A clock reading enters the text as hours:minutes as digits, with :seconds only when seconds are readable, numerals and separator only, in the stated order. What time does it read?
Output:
4:24
